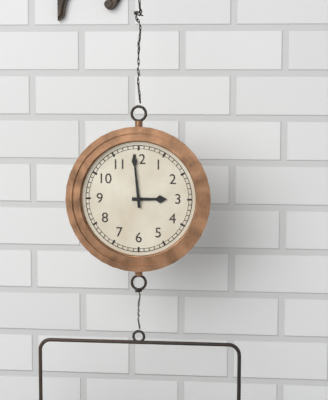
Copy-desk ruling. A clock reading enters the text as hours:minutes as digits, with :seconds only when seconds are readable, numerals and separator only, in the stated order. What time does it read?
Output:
2:59
